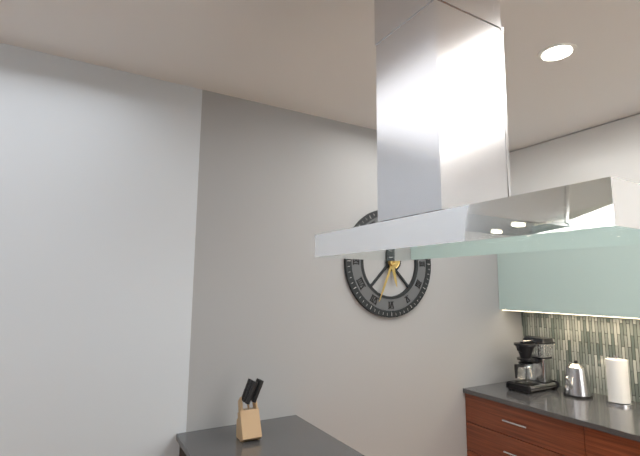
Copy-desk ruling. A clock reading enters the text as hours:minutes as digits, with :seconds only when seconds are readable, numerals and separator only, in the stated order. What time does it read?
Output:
5:34
